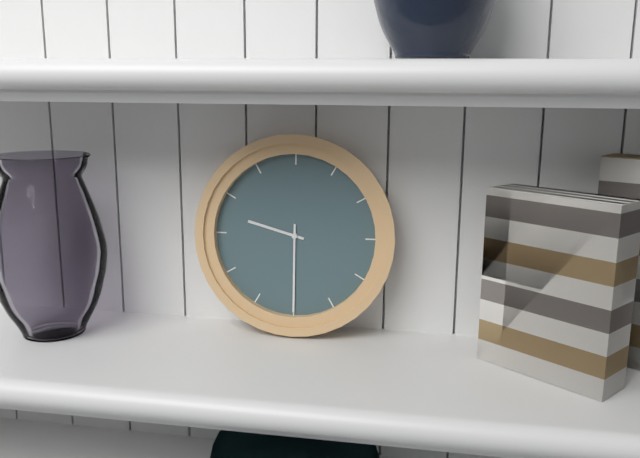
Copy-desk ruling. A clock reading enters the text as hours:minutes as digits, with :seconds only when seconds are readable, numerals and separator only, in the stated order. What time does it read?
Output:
9:30
